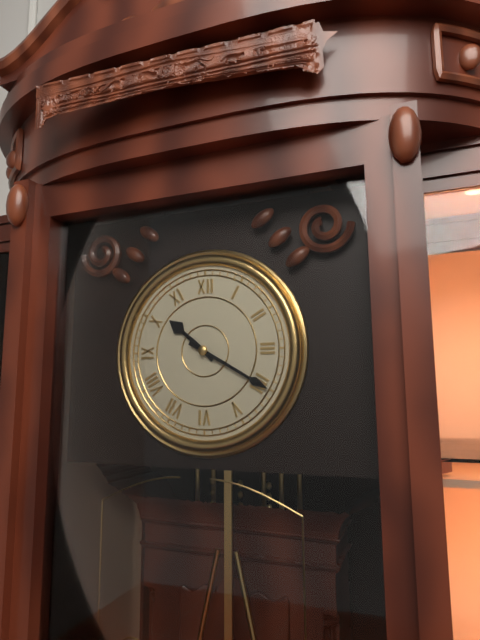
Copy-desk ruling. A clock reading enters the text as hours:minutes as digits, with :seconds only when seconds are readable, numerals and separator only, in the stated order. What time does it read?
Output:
10:20
